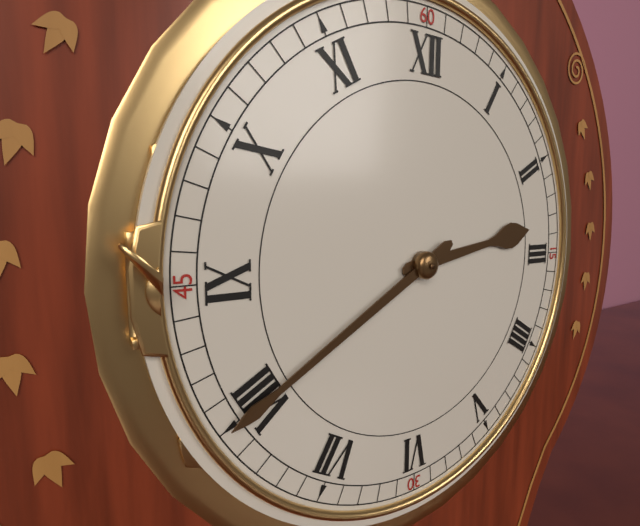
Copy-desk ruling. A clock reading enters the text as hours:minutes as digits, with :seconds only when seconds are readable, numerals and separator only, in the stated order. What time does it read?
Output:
2:40
